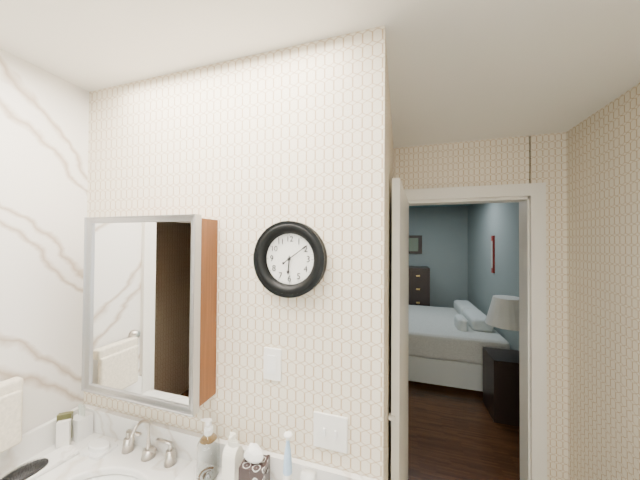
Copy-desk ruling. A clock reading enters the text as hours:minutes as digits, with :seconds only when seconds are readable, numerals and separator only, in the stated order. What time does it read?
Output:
6:09
